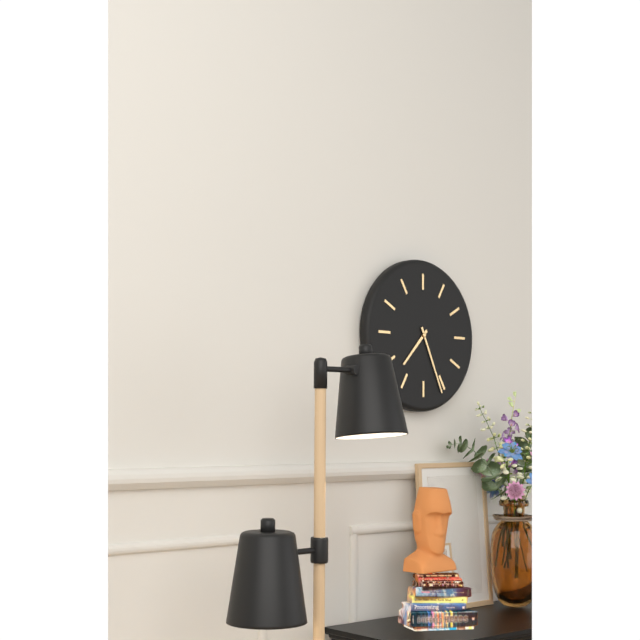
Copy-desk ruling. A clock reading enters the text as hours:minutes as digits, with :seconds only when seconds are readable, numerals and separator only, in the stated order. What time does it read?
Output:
7:26
